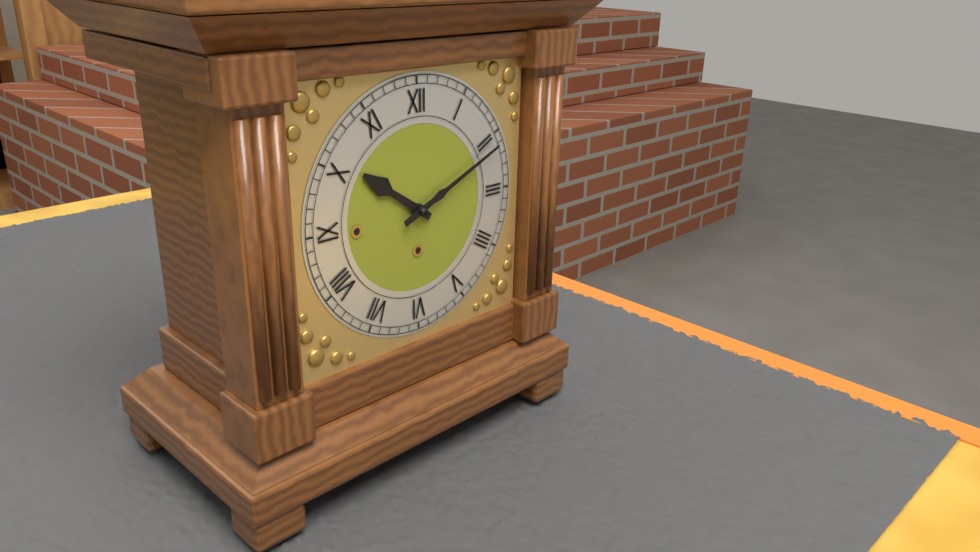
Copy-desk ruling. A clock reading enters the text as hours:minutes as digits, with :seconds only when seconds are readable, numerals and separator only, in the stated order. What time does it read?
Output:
10:11
